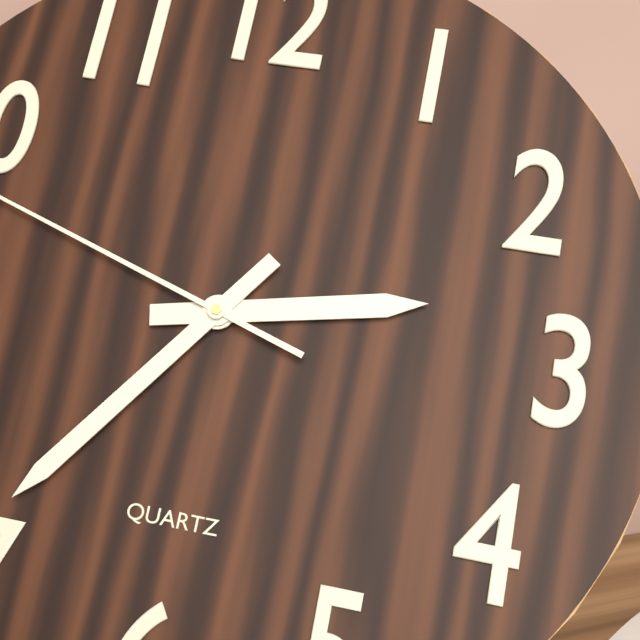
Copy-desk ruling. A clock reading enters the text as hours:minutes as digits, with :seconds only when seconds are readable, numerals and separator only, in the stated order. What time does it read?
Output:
2:36
